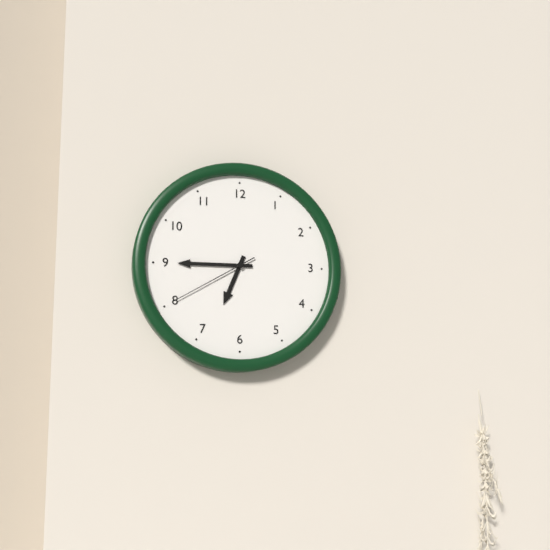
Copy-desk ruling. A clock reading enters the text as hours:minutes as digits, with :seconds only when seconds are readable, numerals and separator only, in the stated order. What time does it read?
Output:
6:45:40
